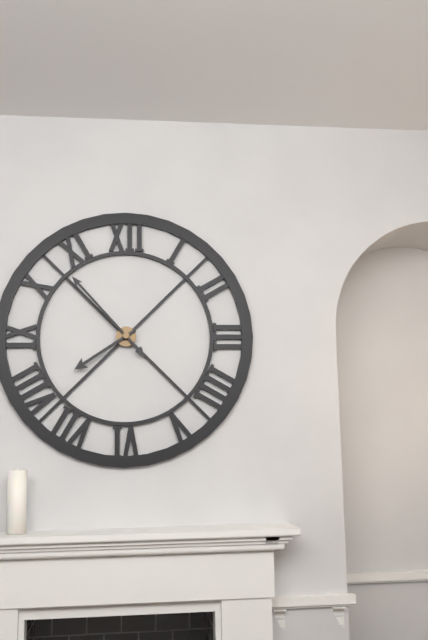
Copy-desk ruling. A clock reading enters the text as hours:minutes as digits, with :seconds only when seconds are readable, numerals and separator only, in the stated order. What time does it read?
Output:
7:53
